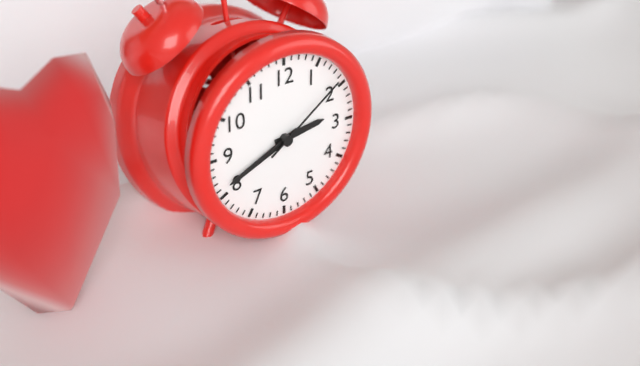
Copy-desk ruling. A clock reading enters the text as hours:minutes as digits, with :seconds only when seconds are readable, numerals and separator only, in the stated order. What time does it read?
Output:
2:41:09
